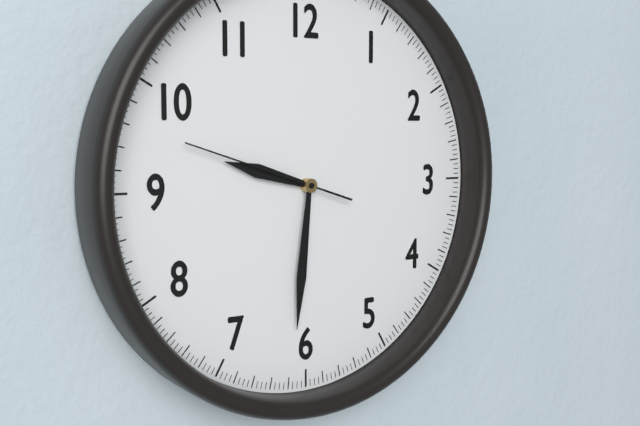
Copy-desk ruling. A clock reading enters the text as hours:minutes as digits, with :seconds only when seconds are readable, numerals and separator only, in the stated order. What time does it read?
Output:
9:31:48
